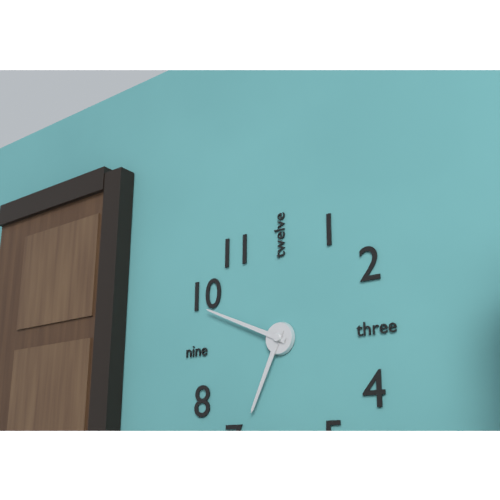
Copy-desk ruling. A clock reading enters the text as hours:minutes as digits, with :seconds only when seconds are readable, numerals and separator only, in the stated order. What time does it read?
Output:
6:49
